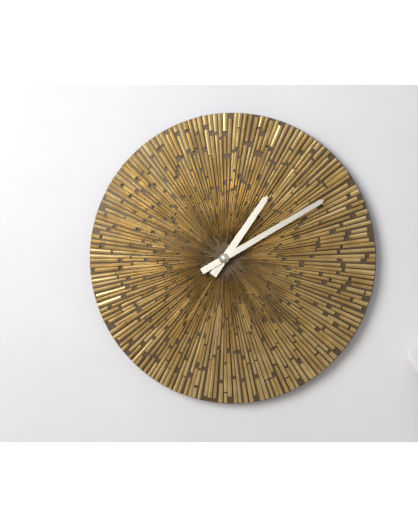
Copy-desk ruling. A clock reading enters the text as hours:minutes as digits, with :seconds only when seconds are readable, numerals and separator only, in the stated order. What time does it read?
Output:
1:10
